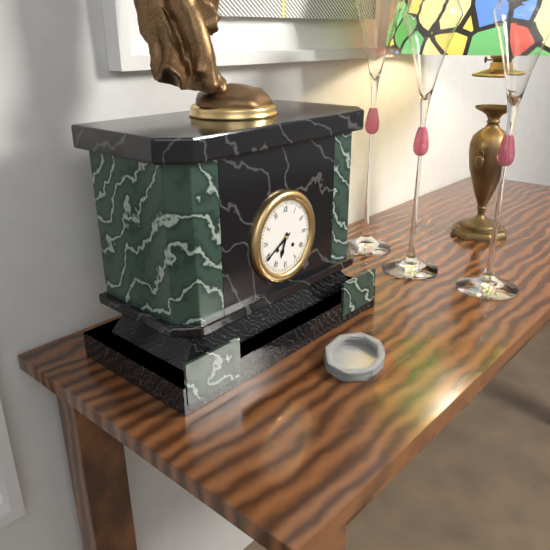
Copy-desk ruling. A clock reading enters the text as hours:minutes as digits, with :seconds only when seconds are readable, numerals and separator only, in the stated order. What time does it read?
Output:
6:40
